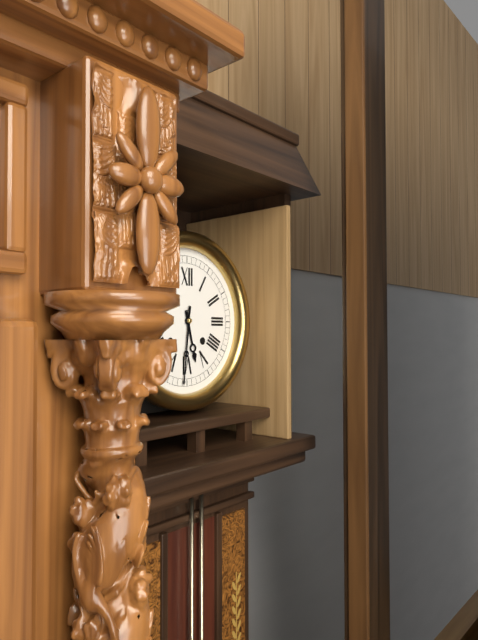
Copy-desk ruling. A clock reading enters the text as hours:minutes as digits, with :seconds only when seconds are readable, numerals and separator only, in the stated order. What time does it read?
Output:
5:31
